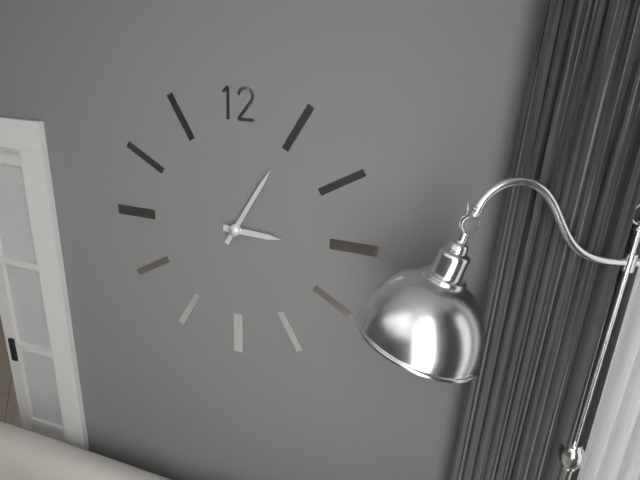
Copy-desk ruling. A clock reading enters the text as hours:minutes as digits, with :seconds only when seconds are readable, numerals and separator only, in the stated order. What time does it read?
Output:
3:05
